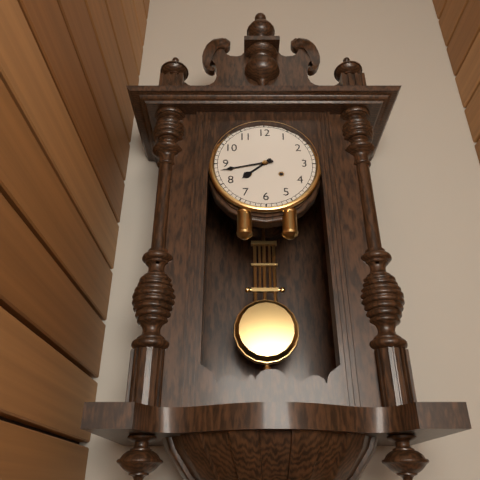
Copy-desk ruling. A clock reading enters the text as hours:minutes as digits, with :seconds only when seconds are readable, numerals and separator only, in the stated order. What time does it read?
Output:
7:43
